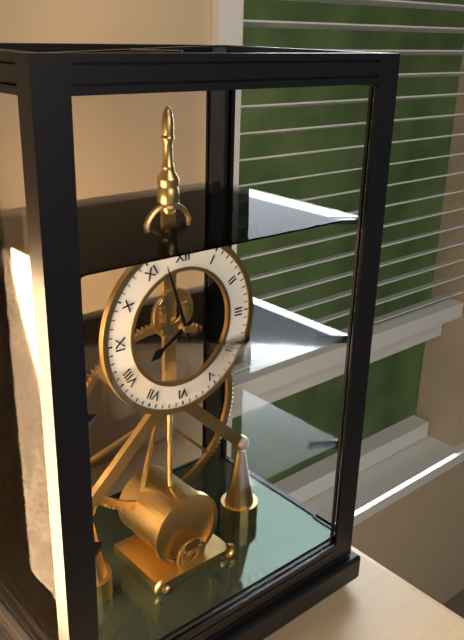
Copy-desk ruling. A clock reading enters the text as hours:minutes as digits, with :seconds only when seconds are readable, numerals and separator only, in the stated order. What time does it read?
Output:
7:57
